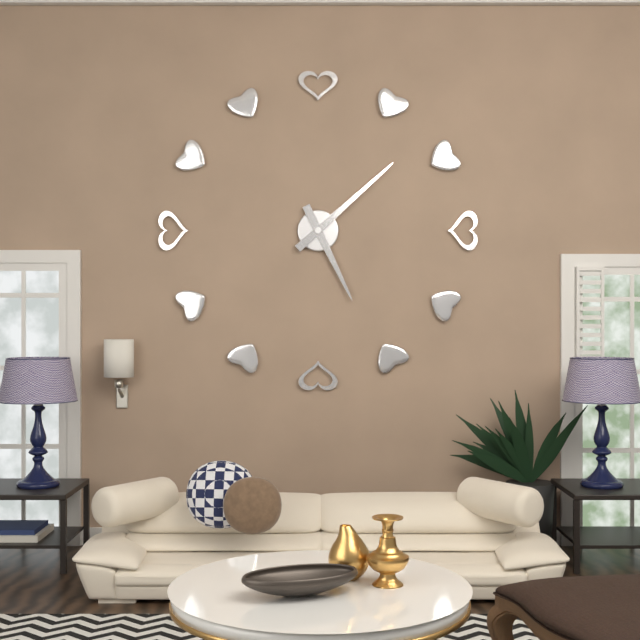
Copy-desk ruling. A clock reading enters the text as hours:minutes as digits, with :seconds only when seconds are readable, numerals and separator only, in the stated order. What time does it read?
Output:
5:08
